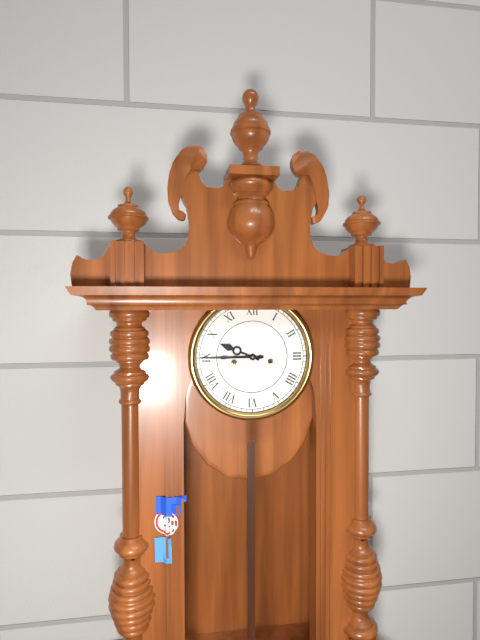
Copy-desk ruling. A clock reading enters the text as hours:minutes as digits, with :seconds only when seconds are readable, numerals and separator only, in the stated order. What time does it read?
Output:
9:45
